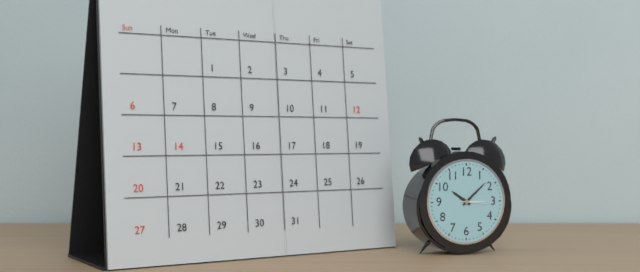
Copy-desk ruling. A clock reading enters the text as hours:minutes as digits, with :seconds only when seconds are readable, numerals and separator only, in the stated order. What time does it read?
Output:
10:08
